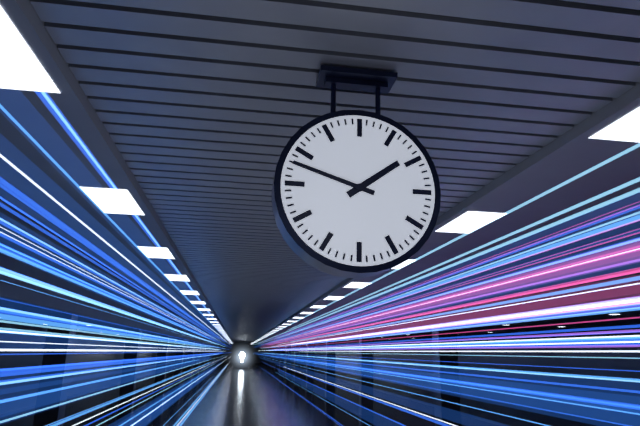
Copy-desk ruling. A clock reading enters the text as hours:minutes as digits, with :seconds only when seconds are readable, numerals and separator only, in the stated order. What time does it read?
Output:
1:48
